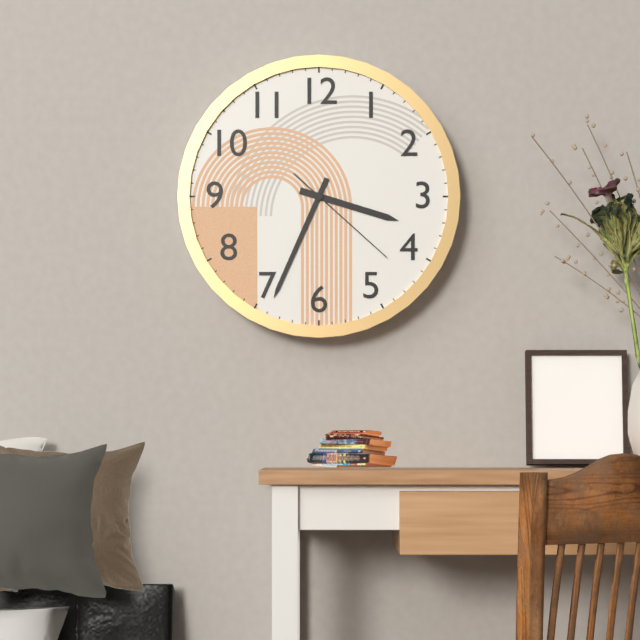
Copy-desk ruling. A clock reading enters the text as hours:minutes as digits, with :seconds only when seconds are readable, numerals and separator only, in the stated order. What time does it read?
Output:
3:34:22
